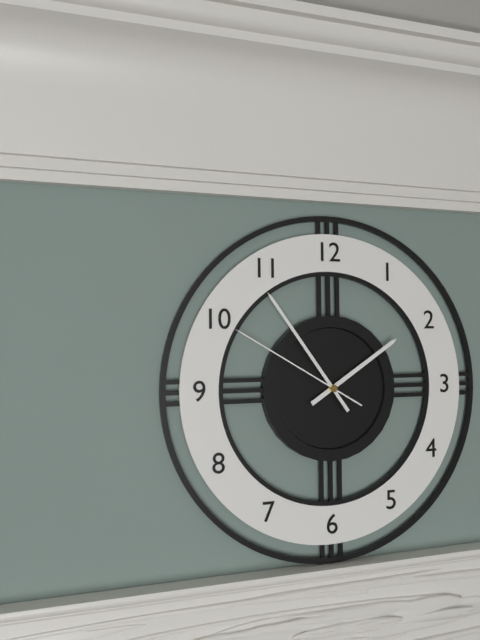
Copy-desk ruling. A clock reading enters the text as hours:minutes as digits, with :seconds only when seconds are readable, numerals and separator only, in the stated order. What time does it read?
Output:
1:54:50
